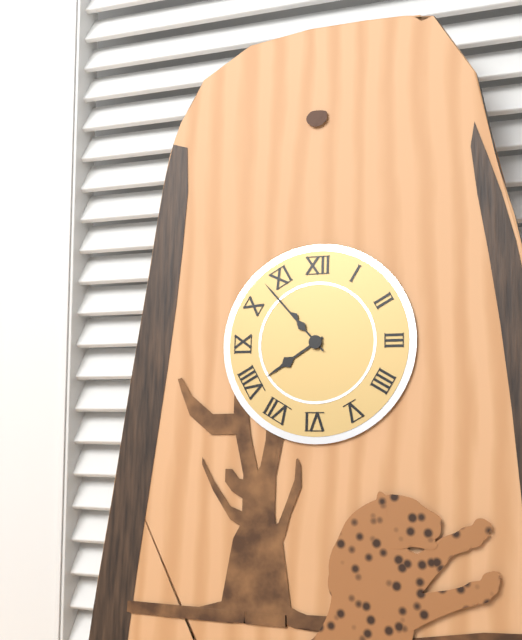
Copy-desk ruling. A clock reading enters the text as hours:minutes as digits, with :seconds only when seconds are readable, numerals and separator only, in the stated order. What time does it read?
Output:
7:53
